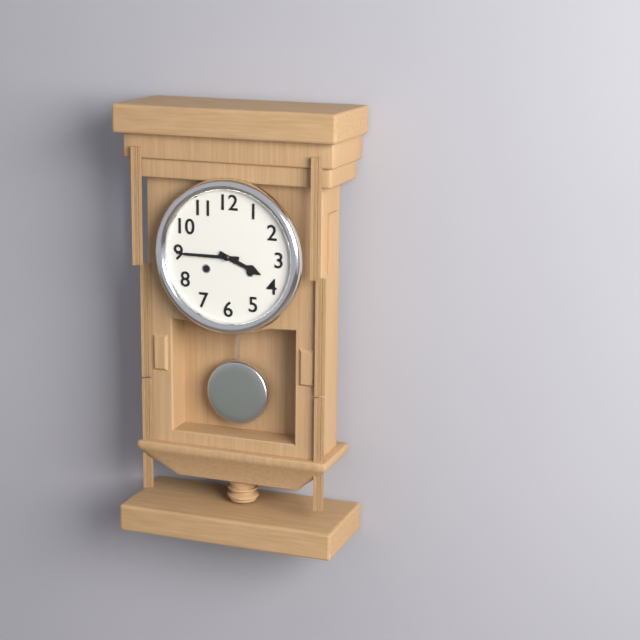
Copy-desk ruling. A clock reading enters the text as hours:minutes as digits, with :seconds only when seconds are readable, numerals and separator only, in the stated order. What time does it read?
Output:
3:45
